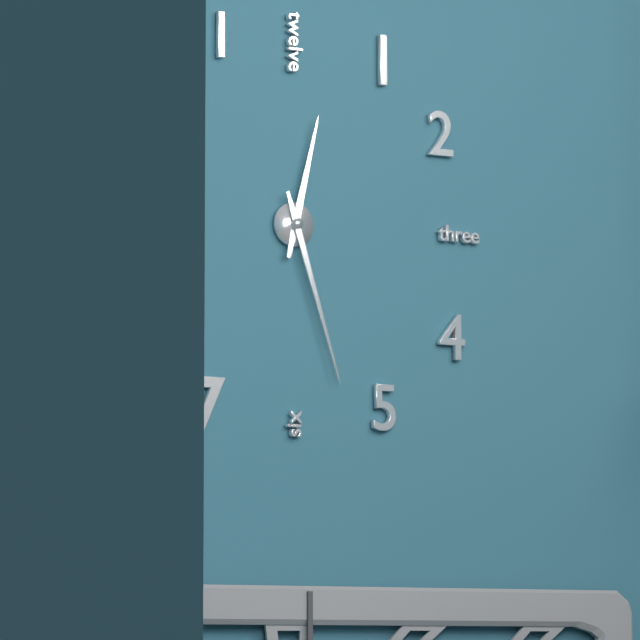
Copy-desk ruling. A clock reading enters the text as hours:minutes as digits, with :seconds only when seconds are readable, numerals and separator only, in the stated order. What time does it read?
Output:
12:27
